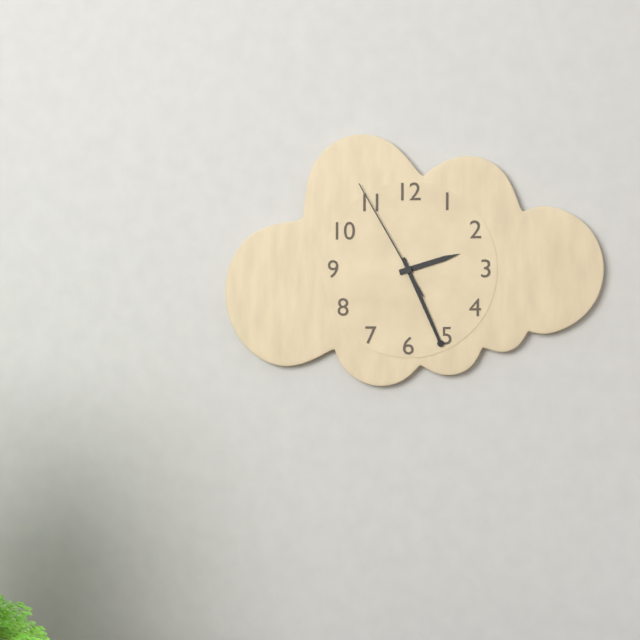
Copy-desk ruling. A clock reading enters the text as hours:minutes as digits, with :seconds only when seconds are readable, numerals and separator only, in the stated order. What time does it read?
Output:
2:26:55
